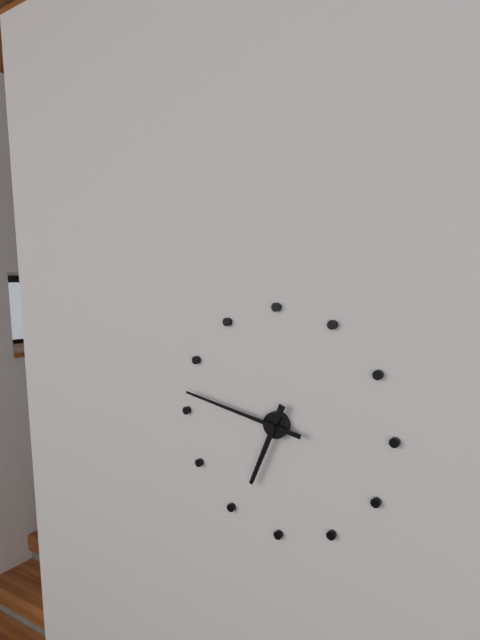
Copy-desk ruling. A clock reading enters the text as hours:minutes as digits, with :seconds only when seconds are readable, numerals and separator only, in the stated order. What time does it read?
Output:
6:47
